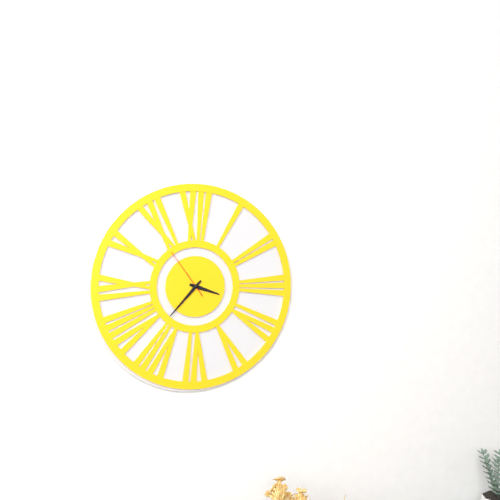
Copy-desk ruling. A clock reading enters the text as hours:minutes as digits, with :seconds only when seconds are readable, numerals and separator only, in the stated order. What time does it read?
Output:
3:37:54
